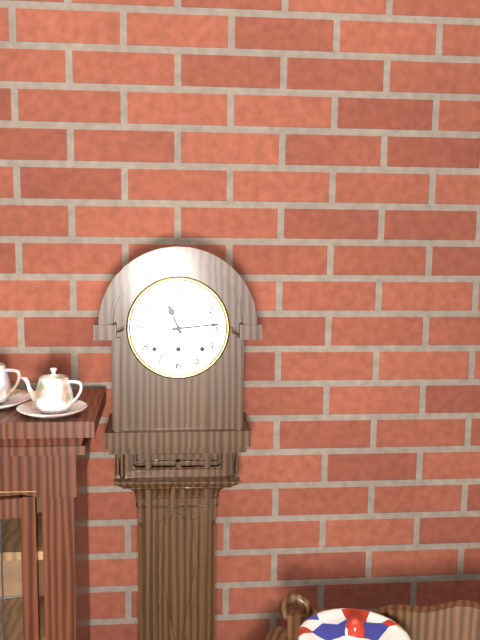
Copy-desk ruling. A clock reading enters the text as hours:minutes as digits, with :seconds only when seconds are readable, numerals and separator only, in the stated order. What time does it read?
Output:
11:14
